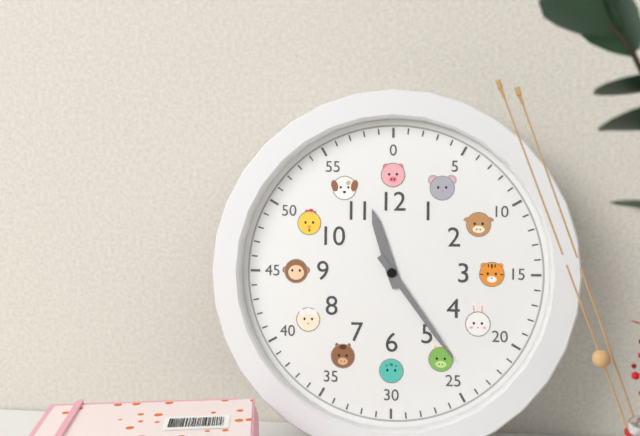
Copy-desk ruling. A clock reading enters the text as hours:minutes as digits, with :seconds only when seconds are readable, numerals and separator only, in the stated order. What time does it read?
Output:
11:24
